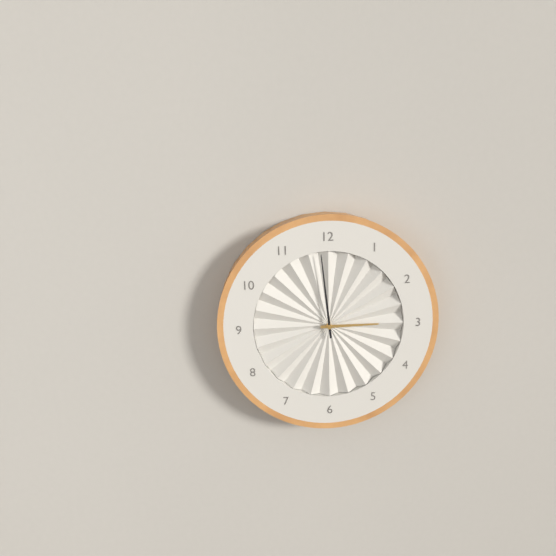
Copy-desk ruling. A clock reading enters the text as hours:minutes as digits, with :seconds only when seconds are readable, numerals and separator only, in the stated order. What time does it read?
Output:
2:59
